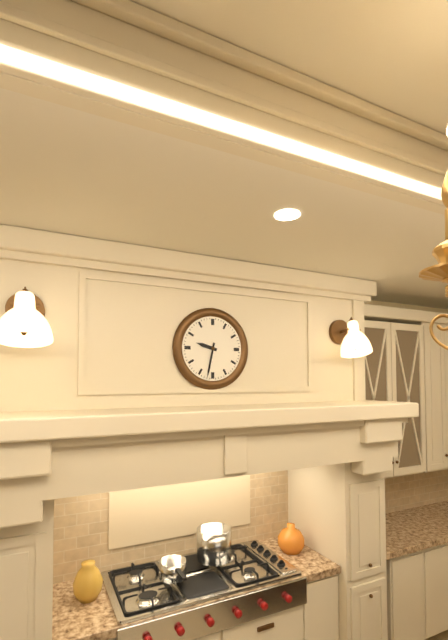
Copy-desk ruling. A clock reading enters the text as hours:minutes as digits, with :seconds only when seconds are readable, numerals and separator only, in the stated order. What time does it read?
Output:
9:32
